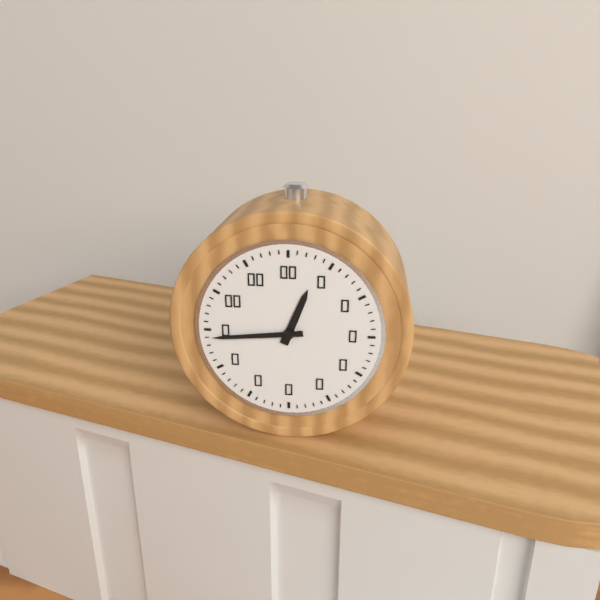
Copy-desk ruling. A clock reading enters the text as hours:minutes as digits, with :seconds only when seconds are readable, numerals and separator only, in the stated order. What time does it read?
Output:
12:44
